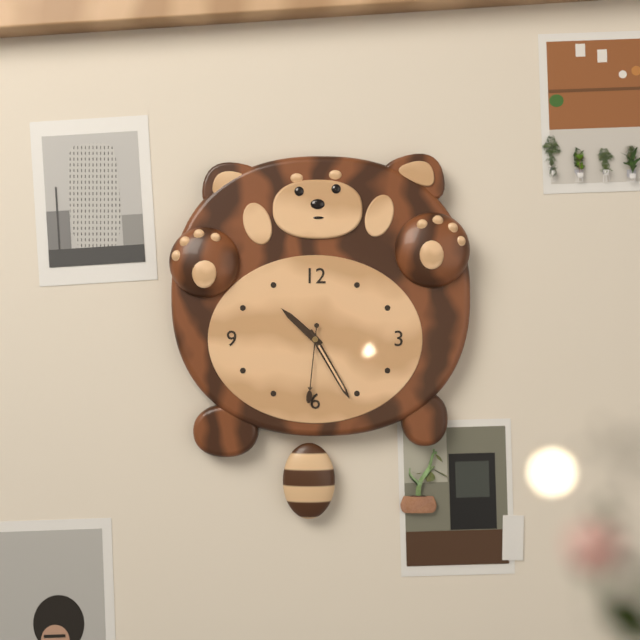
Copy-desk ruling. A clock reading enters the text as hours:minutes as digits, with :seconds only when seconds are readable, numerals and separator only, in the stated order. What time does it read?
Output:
10:25:31
